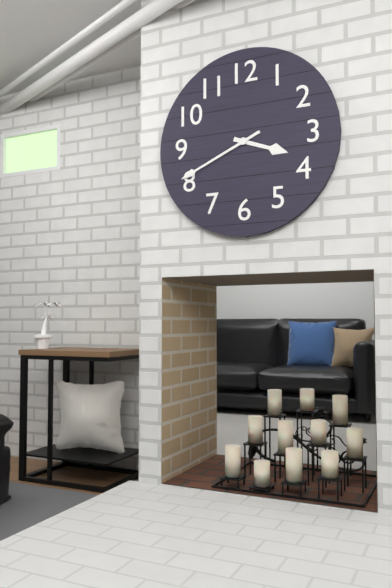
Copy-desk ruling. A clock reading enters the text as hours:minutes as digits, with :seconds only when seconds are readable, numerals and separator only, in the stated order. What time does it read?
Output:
3:41
